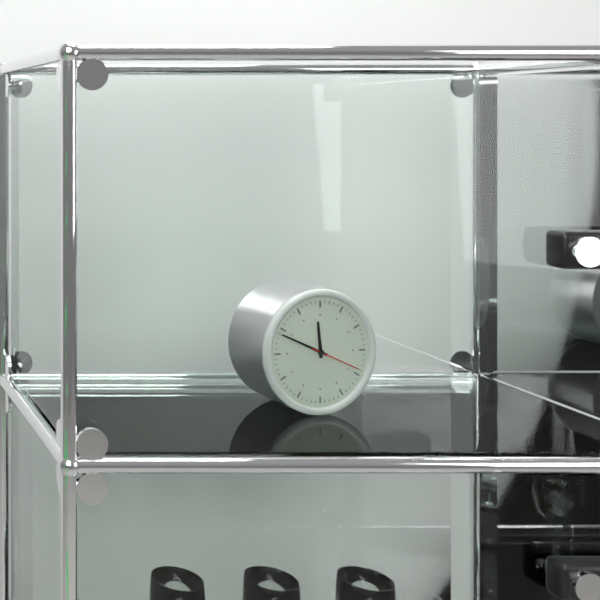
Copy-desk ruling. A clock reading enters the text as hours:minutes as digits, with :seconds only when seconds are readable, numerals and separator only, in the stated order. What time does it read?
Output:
11:49:19
